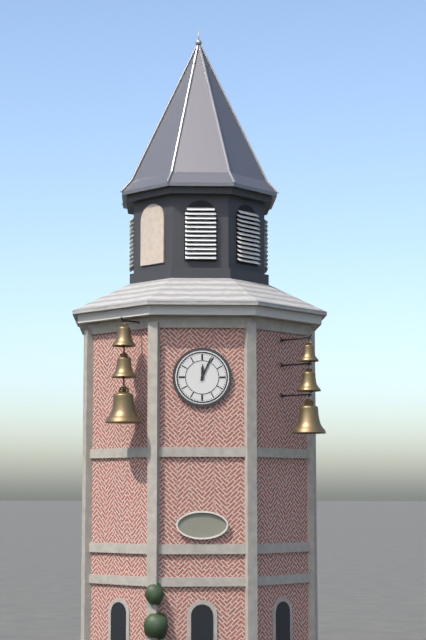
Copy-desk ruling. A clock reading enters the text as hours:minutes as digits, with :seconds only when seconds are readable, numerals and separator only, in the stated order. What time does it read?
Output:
12:04
